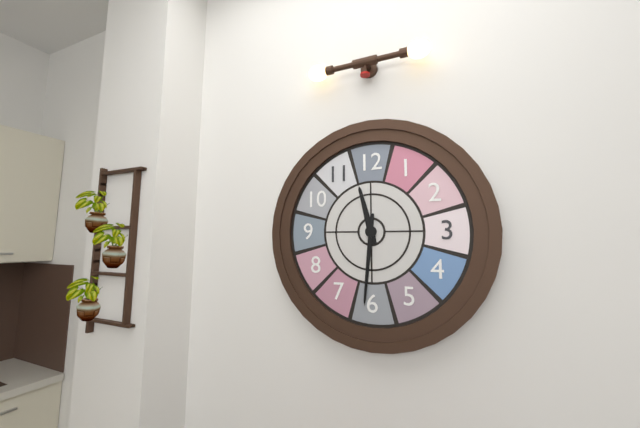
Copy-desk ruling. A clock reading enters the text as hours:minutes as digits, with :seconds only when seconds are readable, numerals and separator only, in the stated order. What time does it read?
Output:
11:31
